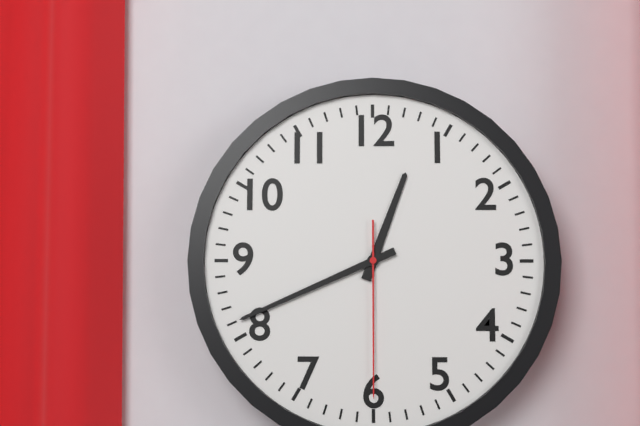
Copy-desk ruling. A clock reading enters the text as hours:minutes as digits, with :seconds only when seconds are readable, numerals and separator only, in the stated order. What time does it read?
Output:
12:41:30
